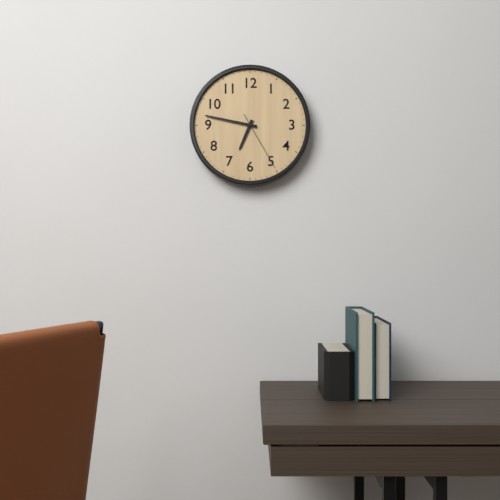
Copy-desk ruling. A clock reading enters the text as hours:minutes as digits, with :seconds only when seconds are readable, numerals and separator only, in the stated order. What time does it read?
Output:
6:47:25
